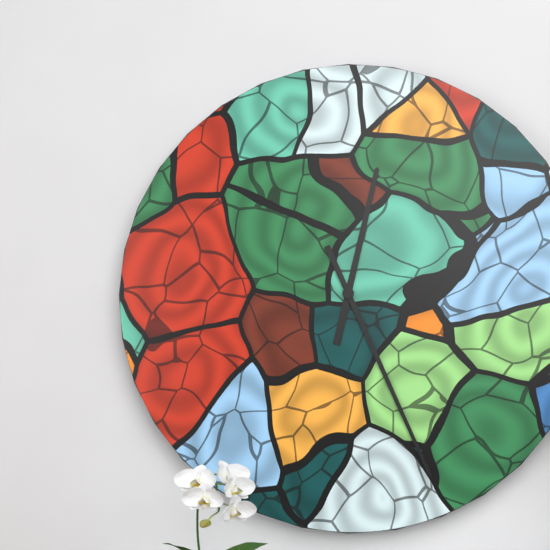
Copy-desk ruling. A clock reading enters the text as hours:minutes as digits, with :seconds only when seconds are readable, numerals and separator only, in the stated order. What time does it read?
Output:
12:26
